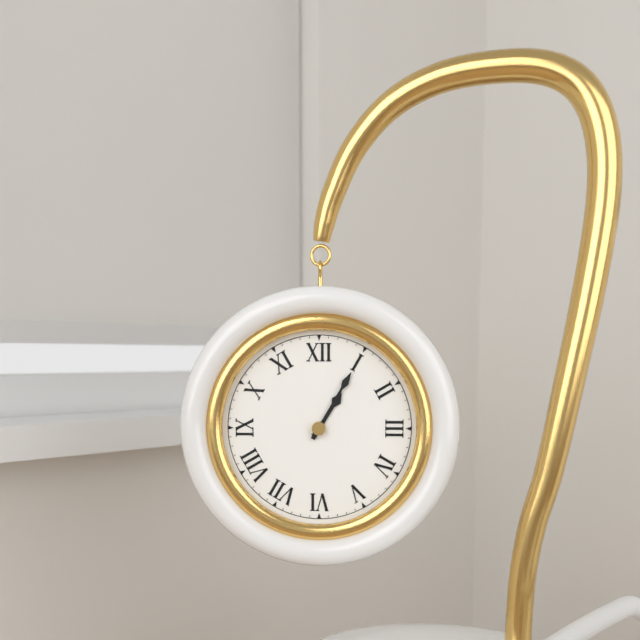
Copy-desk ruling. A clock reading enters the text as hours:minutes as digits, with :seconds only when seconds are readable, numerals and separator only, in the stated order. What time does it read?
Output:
1:05
